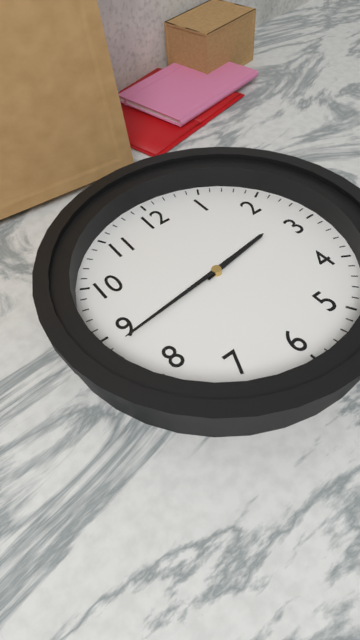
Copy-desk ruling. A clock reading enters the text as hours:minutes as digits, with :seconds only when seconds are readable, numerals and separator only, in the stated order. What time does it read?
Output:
2:44
